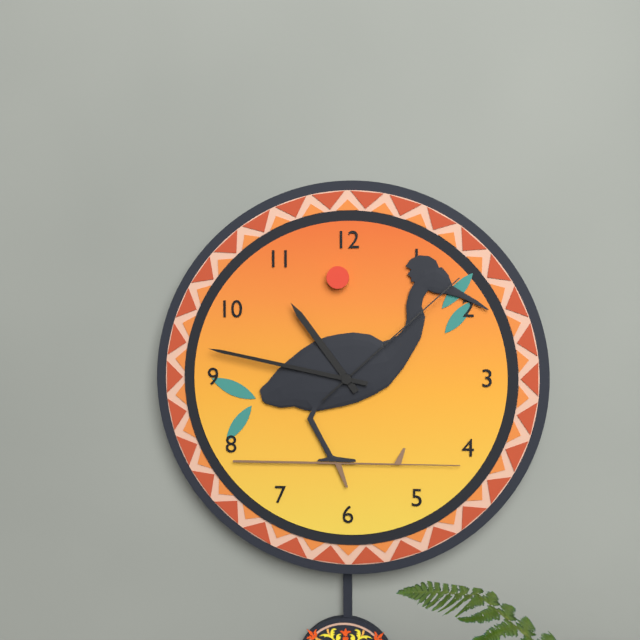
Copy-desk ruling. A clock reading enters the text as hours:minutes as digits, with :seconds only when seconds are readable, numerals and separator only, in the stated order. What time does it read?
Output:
10:47:08
